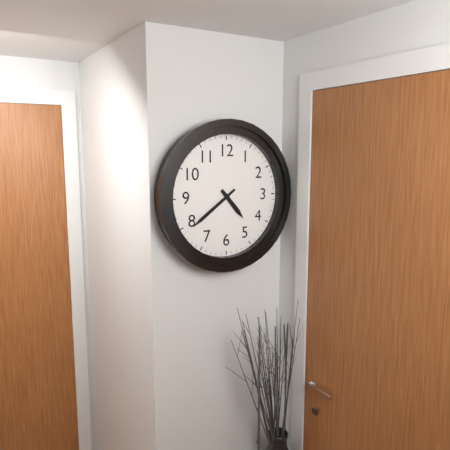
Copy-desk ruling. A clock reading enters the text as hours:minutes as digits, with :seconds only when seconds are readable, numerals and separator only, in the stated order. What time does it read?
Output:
4:39
